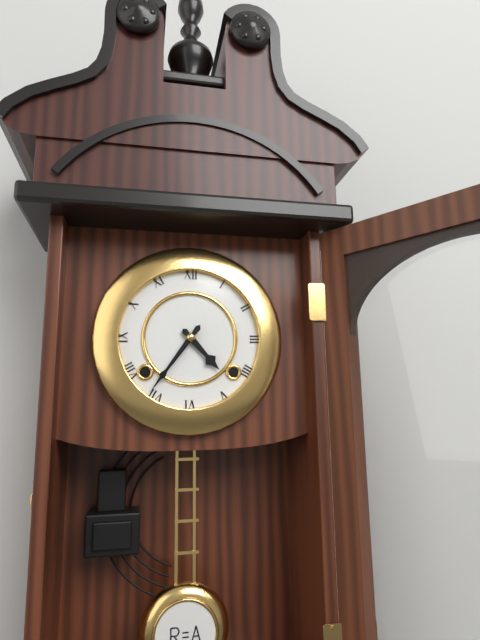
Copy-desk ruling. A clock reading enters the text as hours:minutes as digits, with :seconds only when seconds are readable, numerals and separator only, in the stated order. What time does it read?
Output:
4:36
